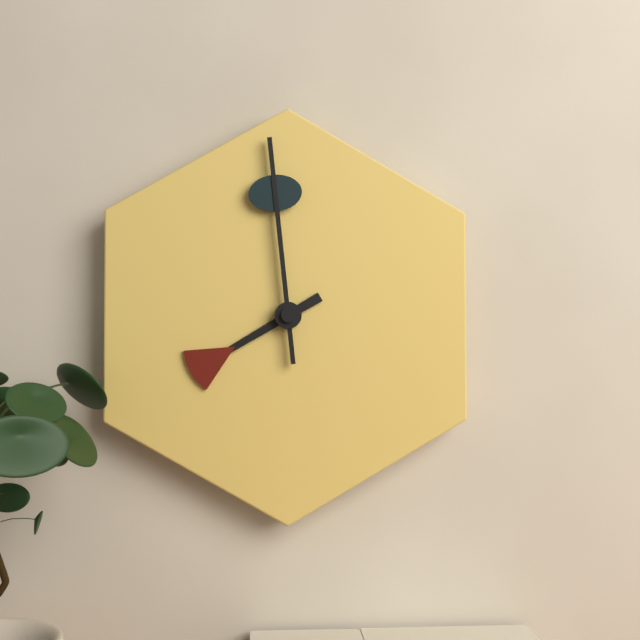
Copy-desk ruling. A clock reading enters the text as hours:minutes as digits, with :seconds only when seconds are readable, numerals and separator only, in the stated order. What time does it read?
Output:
7:59
